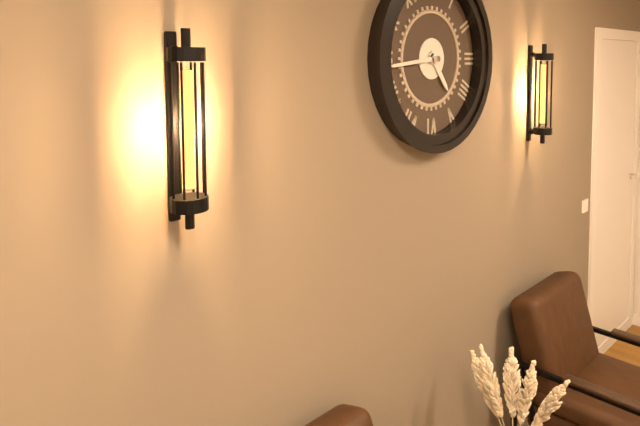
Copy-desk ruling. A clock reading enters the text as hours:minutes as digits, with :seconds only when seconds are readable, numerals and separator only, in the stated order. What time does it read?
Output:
4:44
